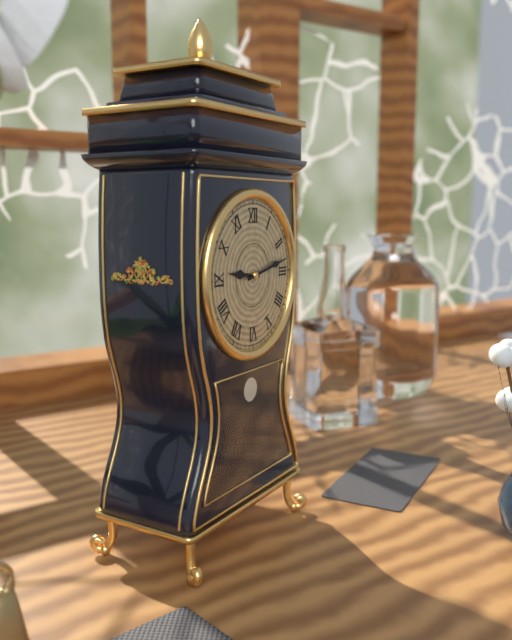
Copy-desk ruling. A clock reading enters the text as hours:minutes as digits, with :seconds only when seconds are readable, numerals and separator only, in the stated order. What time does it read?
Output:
9:13
